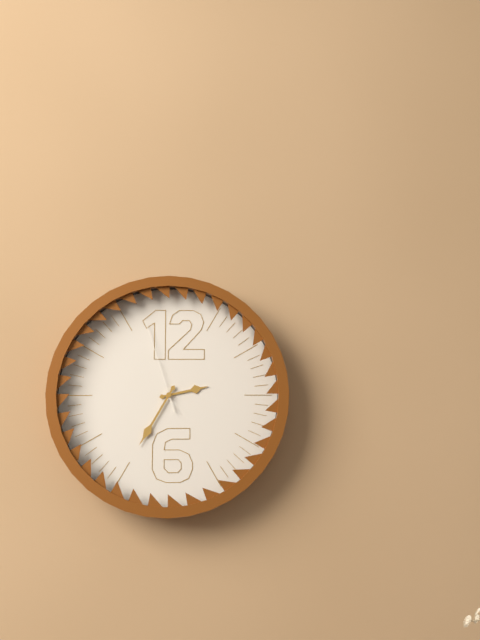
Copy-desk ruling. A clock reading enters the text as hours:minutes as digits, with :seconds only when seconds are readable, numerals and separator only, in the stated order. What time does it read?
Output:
2:35:57
